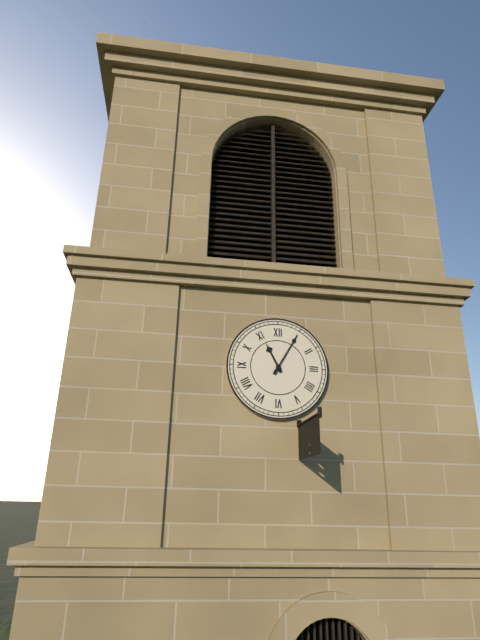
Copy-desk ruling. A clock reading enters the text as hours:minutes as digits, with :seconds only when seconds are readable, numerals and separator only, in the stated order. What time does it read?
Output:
11:05
